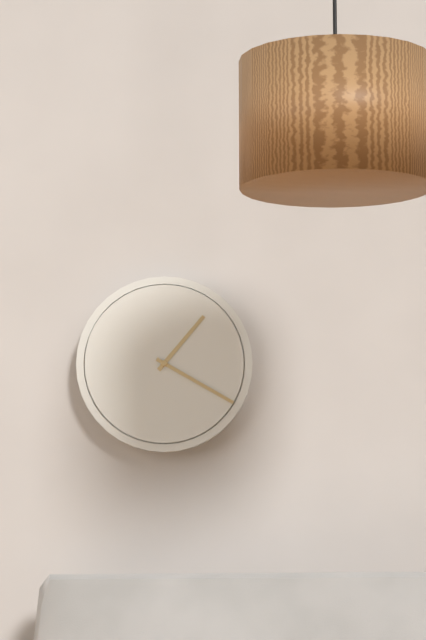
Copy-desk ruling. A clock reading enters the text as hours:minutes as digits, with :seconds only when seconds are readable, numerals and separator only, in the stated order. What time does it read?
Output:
1:20
